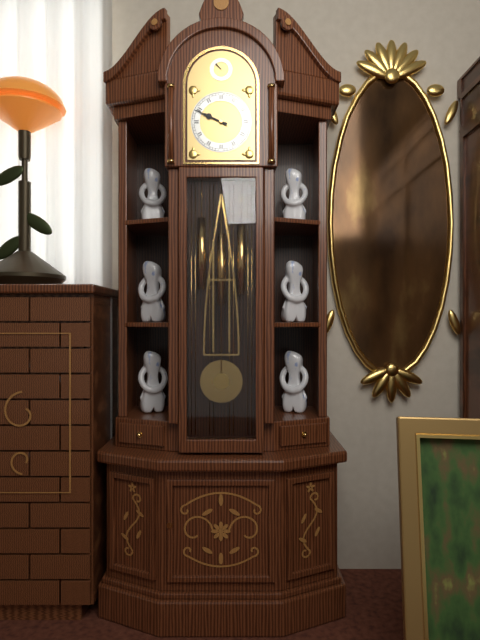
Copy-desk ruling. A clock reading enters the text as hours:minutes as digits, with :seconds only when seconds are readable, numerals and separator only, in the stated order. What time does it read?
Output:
9:49
